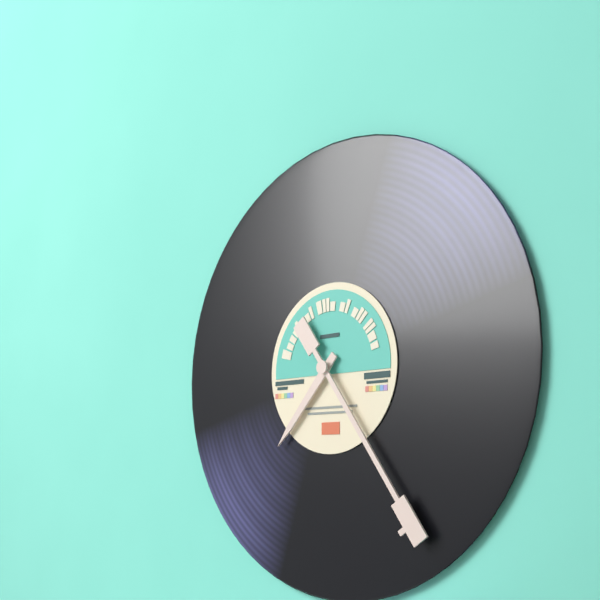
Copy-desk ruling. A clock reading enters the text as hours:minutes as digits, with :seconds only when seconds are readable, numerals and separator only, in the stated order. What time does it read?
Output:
7:24
